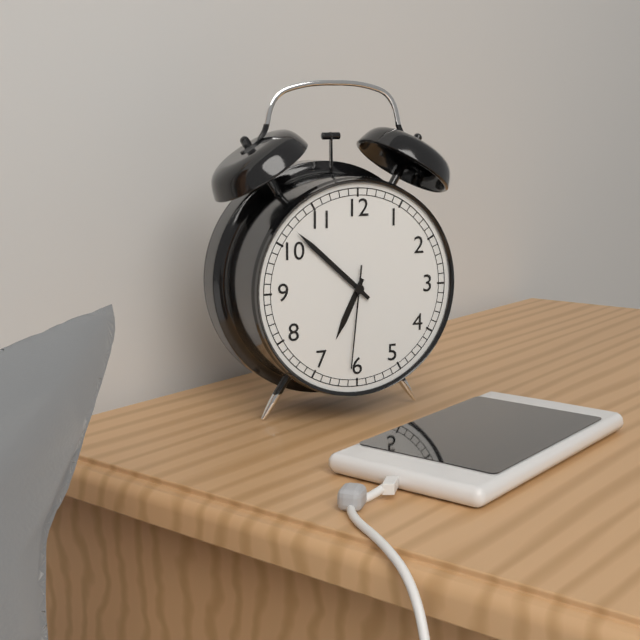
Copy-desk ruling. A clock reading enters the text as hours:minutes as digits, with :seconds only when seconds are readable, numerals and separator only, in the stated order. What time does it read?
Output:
6:52:31
